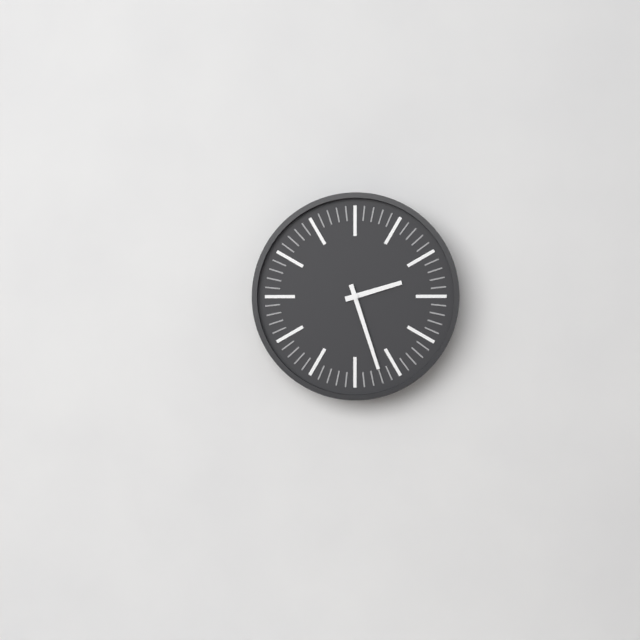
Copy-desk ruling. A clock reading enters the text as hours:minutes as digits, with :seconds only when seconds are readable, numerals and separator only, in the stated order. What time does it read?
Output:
2:27
